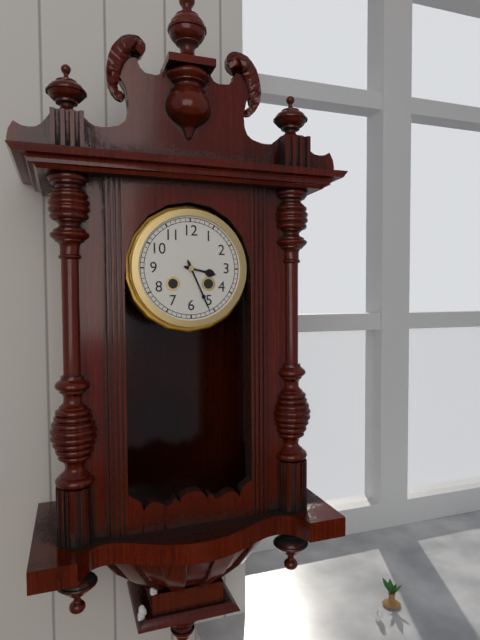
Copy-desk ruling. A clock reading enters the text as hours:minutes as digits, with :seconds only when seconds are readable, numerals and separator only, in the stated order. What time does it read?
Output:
3:26
